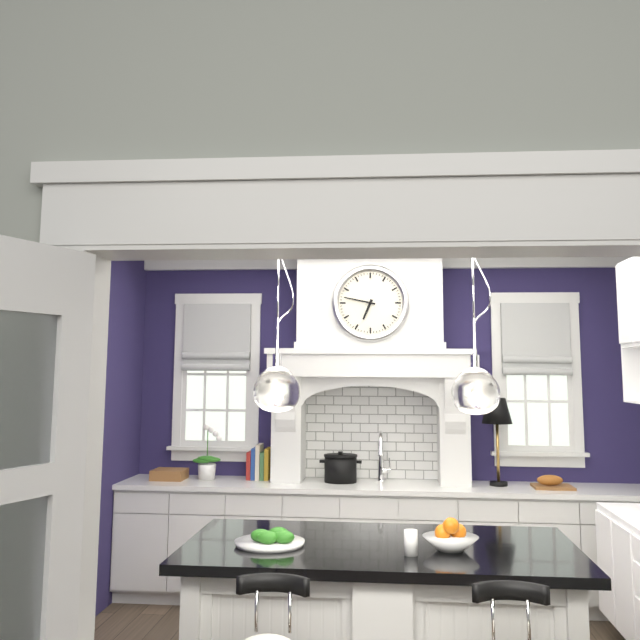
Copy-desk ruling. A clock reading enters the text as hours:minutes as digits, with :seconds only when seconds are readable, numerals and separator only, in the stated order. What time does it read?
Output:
6:47
